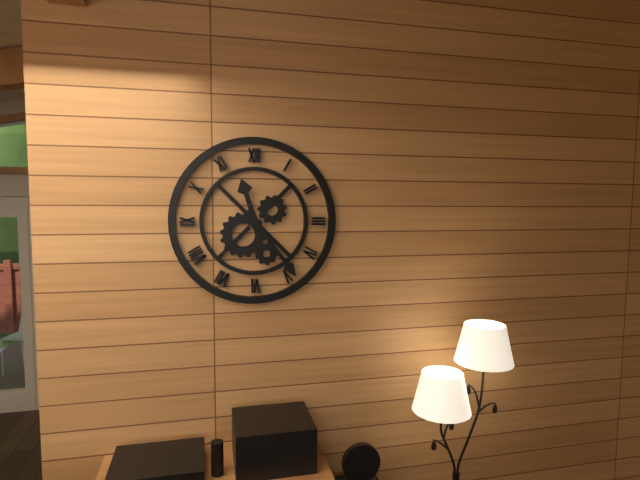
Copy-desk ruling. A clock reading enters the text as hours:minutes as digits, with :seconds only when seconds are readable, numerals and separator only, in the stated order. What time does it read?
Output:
11:24
